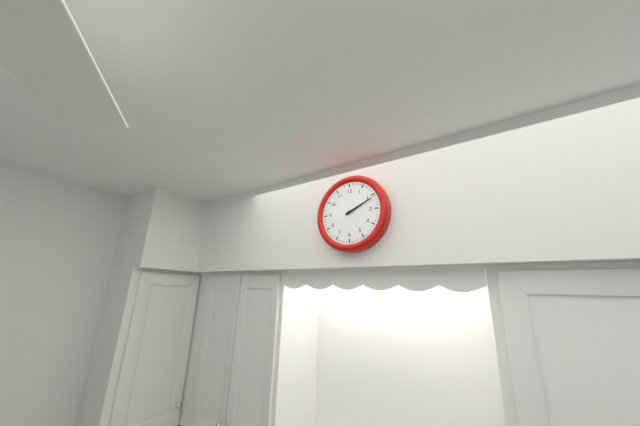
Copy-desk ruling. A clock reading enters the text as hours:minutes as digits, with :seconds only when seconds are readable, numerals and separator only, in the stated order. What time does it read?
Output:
2:11
